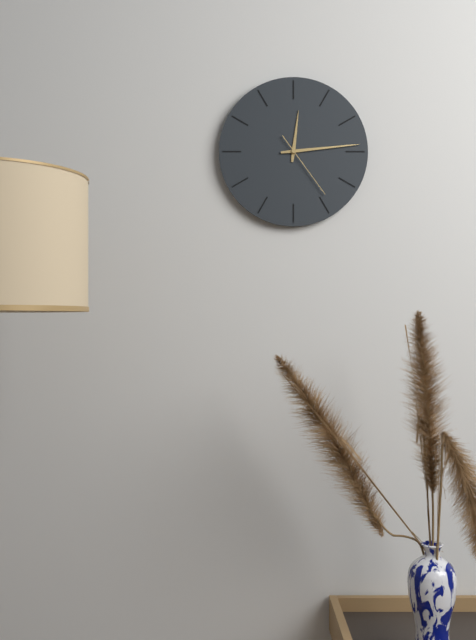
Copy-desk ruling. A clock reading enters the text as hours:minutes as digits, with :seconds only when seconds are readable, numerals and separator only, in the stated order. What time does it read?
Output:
12:14:24
